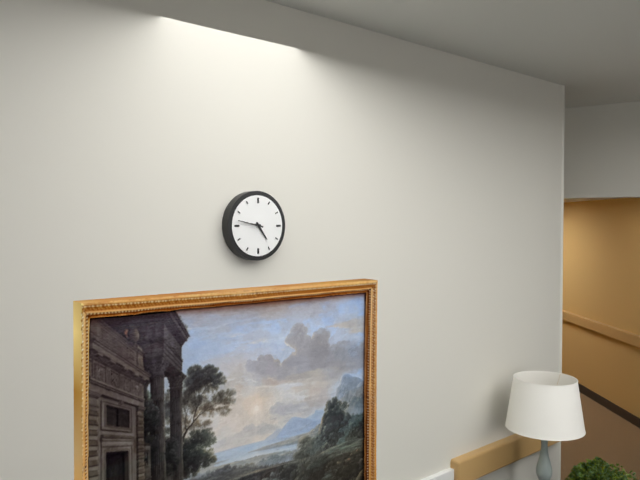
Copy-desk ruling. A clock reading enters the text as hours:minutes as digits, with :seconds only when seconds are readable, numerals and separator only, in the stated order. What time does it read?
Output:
4:47
